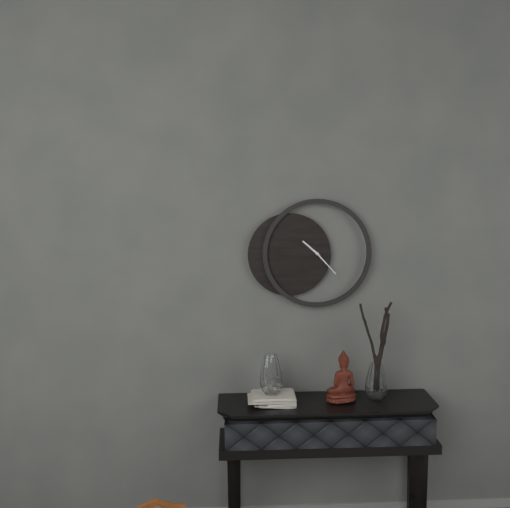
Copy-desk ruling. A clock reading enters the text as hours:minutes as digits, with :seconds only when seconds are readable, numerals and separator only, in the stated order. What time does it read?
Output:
10:23
